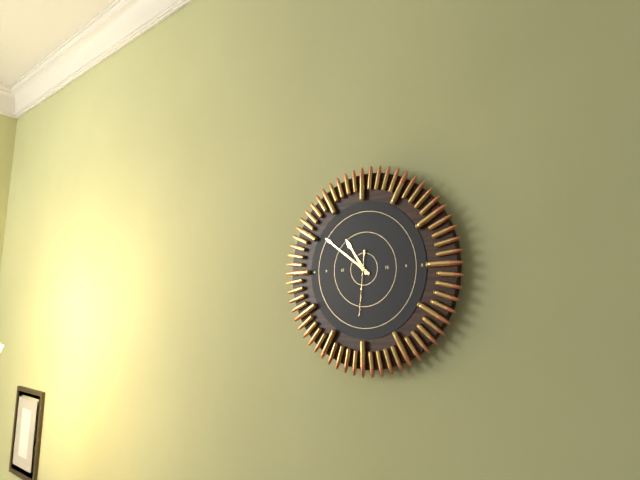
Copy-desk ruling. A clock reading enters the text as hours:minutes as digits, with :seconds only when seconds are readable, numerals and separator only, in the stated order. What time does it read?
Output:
10:51:31
